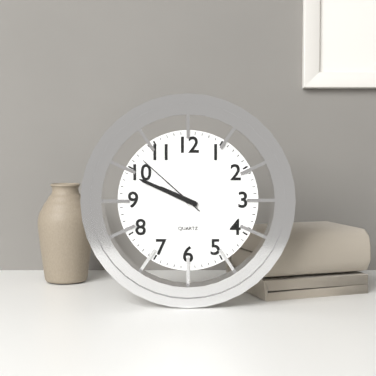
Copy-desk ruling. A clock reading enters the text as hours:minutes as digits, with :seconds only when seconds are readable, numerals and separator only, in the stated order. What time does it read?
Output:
9:49:52
